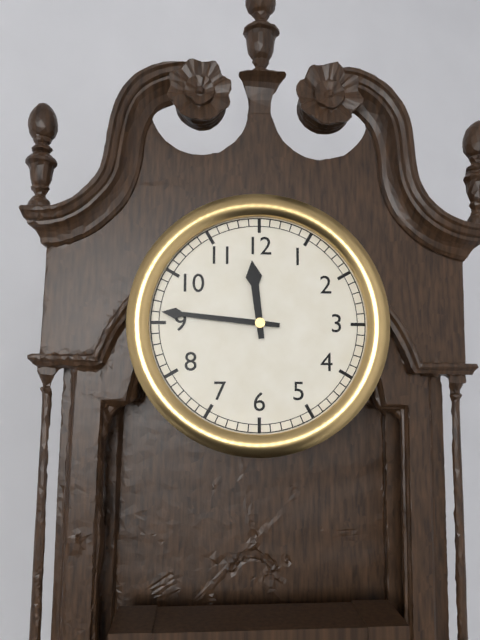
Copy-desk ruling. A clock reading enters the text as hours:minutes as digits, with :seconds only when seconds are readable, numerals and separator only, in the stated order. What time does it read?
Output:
11:46
